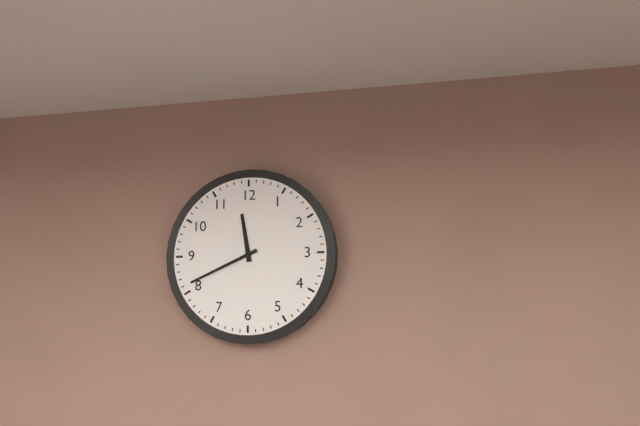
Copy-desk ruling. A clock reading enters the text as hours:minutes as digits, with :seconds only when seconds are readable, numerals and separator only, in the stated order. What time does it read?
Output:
11:41
